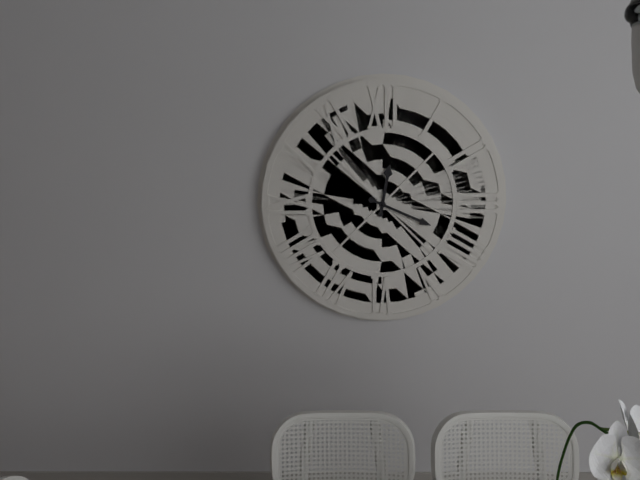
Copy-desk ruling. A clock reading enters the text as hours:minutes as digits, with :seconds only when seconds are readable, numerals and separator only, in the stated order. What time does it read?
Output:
12:19
